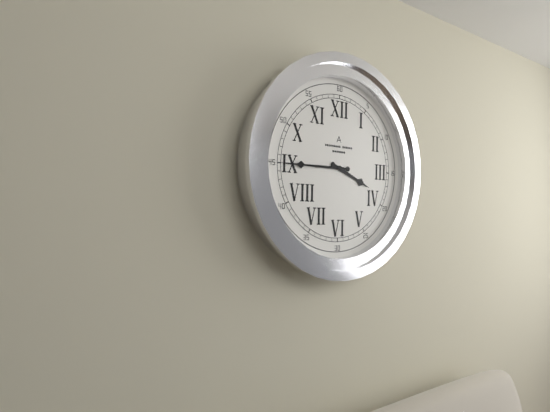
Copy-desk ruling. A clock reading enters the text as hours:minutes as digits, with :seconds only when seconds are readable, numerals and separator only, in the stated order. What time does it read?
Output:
3:45
